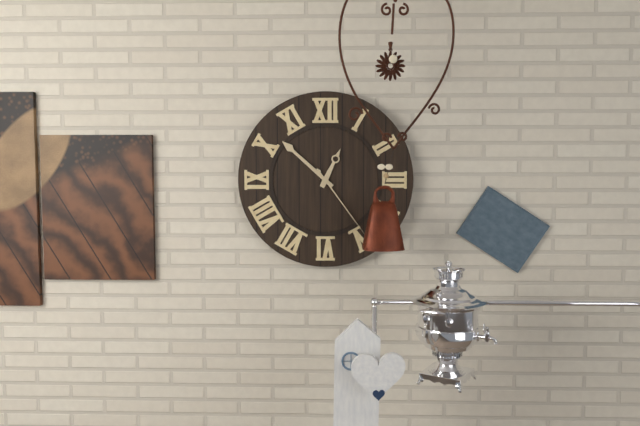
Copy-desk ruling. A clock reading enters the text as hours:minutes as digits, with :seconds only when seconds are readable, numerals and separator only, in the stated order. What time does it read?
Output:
12:52:24
